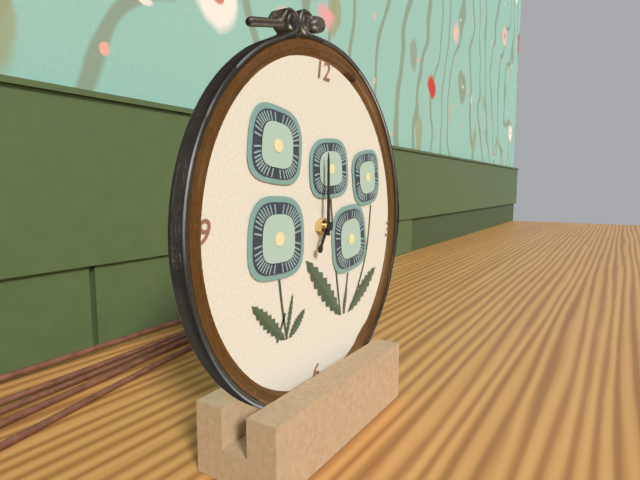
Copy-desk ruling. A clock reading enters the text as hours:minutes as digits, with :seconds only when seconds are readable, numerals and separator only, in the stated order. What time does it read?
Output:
7:00
